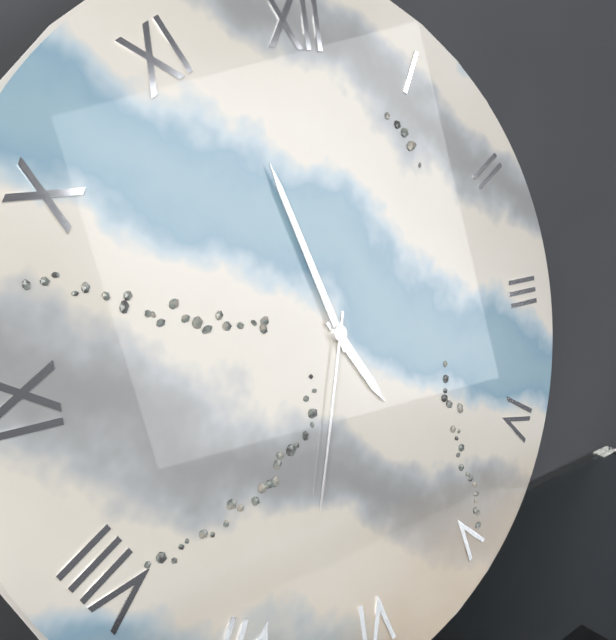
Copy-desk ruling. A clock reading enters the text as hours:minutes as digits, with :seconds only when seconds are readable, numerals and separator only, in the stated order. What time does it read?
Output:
4:57:33
